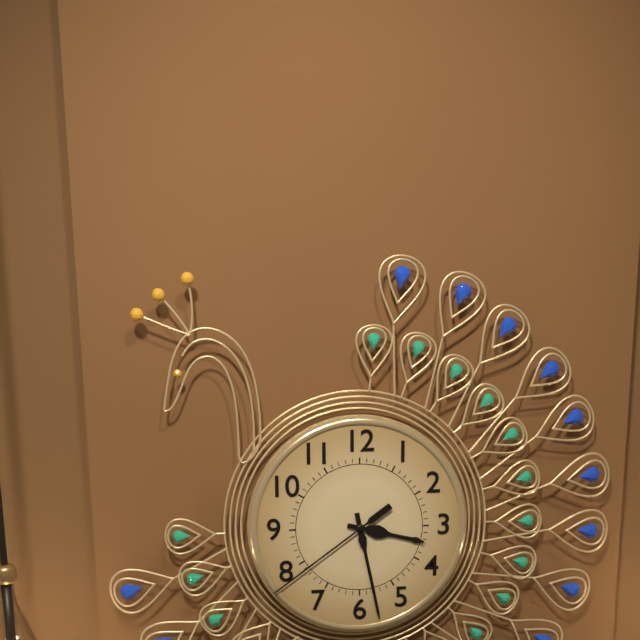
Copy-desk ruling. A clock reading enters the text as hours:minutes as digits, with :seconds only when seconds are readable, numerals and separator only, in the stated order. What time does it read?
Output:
3:28:39
